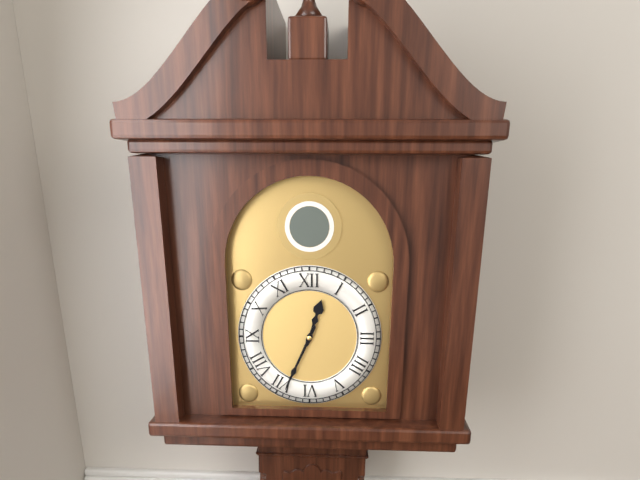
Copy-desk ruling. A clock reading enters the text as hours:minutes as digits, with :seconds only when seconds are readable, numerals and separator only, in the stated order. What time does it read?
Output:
12:34
